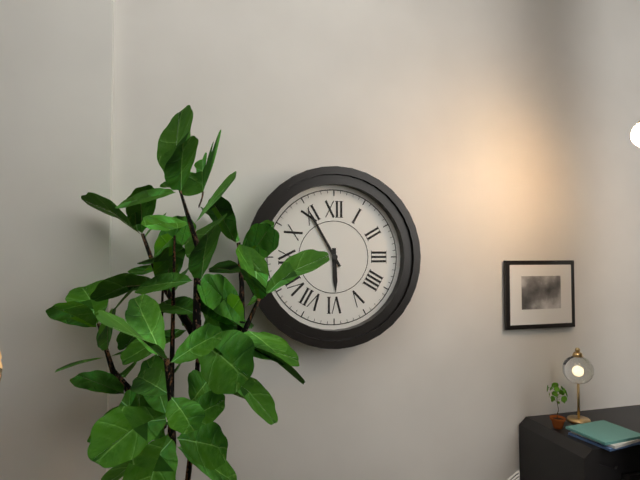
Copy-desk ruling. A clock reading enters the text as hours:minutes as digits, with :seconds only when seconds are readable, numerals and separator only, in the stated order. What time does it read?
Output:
5:55
